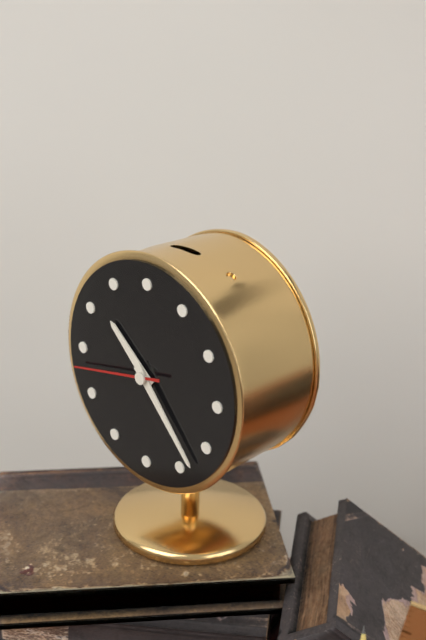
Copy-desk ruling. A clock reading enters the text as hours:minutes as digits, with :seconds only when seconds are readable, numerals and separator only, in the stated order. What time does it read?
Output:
10:23:43
